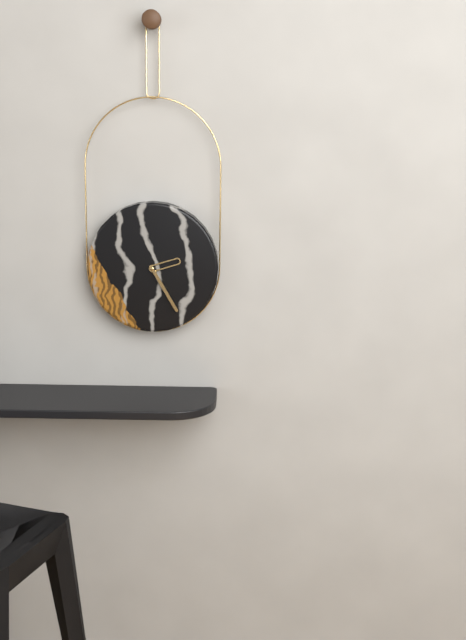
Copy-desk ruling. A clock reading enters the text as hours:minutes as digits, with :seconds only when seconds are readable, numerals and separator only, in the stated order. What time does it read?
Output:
2:25
